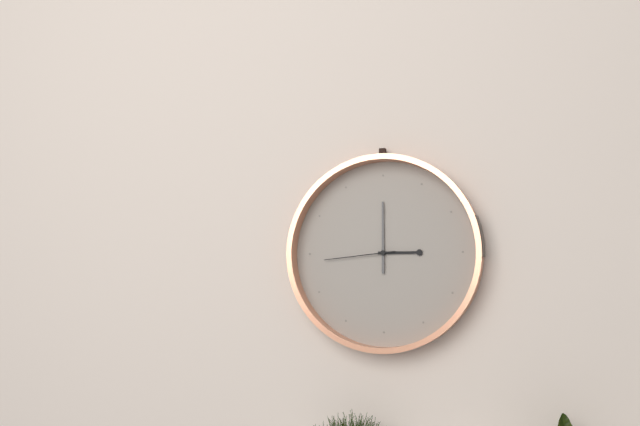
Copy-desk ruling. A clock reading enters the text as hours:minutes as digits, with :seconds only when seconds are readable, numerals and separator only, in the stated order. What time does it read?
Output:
3:00:44
